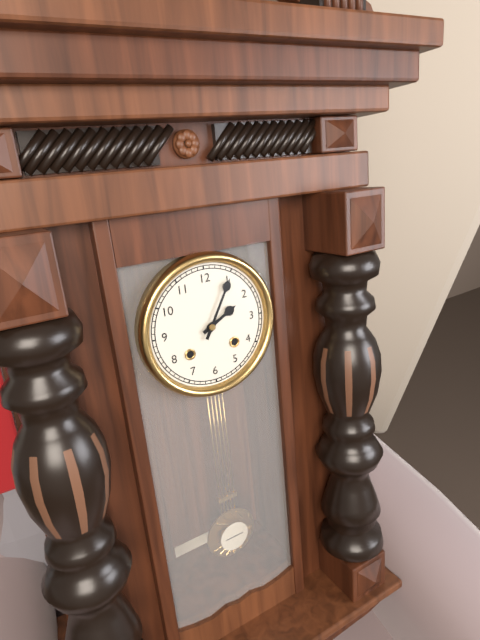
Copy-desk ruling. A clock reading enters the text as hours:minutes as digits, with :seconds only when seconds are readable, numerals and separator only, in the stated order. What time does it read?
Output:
2:05
